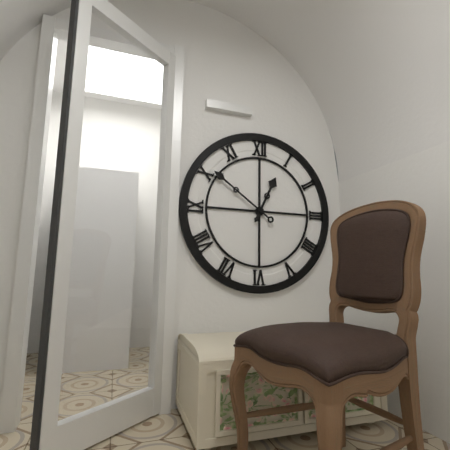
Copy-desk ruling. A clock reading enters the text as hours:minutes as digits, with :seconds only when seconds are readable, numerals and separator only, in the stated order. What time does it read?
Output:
12:51
